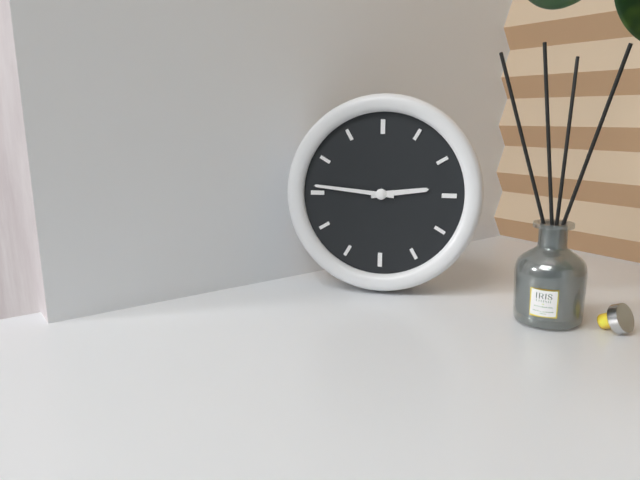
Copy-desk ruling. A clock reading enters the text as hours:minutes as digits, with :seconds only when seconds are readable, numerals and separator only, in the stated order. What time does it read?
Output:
2:46
